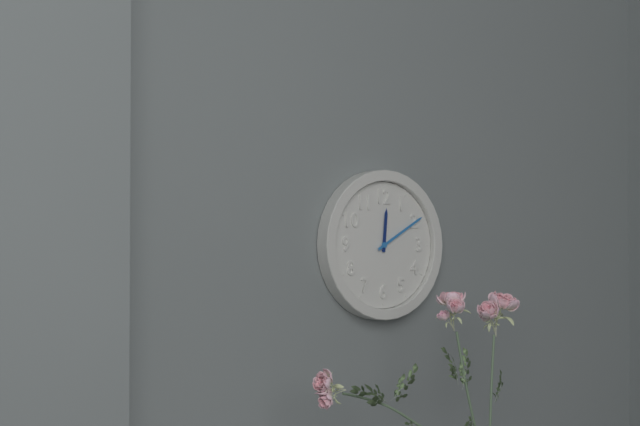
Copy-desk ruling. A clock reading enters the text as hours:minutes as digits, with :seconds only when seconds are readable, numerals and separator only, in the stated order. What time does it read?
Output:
12:10
